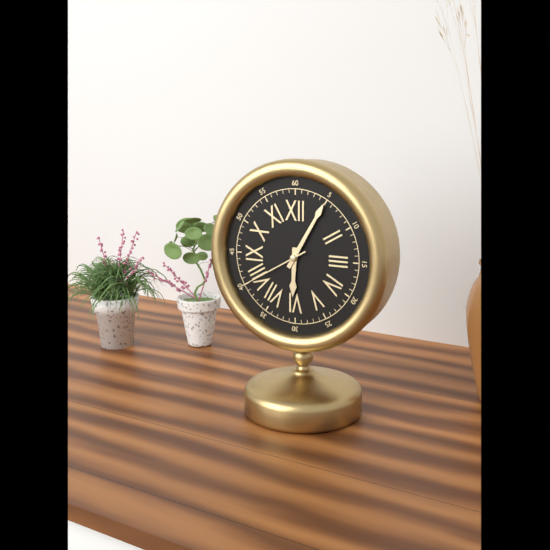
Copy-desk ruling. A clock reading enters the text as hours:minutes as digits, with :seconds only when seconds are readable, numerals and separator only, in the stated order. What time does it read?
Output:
6:05:40
